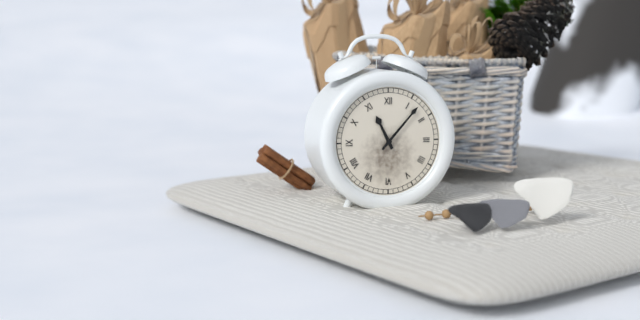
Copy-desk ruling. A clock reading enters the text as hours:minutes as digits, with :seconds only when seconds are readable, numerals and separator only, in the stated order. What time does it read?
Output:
11:07
